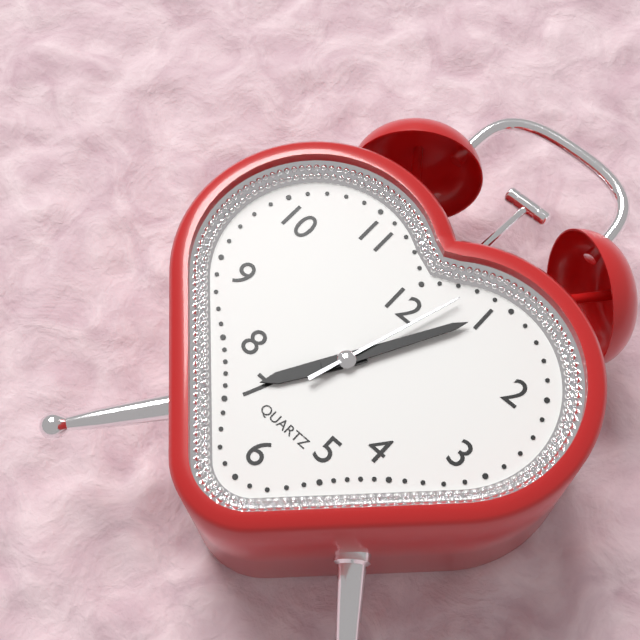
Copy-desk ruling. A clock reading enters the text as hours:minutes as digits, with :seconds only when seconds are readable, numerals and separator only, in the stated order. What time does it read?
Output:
7:05:03
